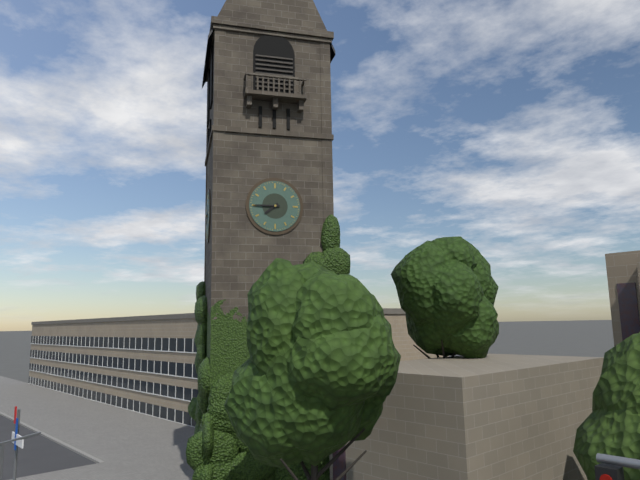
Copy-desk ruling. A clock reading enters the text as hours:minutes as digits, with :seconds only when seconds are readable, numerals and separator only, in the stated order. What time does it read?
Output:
7:45
